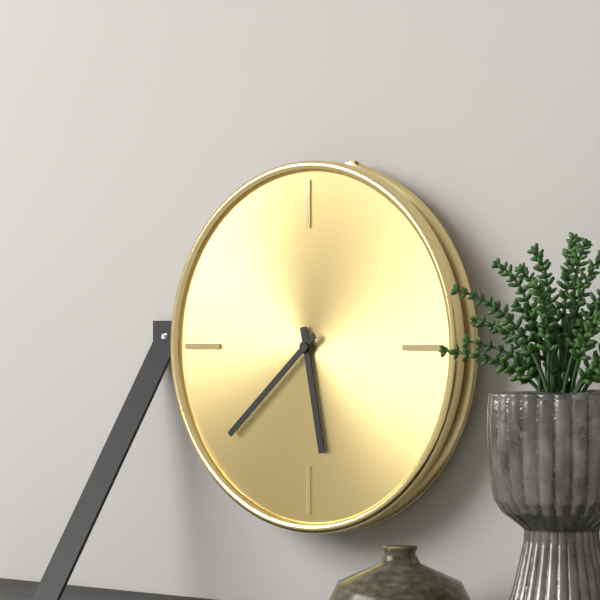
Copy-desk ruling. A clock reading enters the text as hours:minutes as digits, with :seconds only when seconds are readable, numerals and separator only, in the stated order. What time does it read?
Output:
5:38
